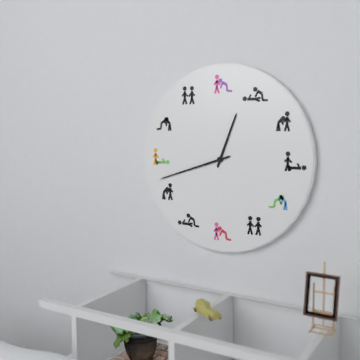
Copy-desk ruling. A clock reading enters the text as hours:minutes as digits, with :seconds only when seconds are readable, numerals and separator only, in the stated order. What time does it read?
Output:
12:42
